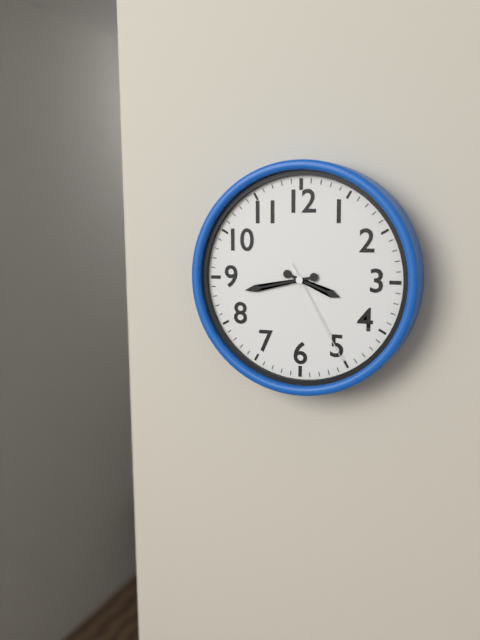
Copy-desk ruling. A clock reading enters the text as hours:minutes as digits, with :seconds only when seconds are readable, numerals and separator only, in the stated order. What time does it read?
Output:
3:43:25
